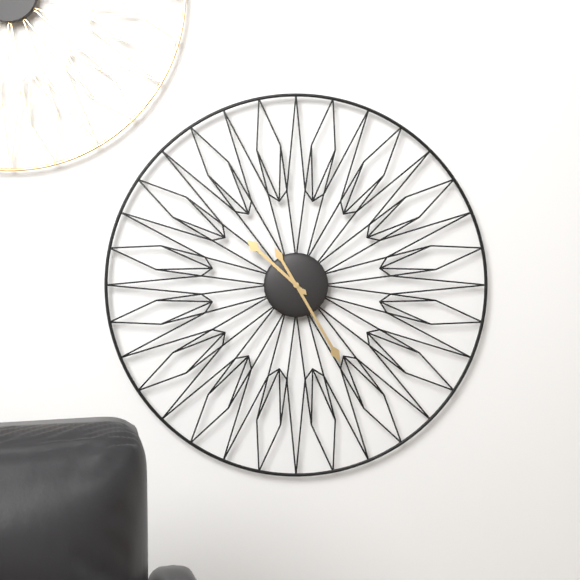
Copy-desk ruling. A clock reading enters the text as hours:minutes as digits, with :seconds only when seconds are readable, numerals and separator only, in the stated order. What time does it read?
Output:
10:25
